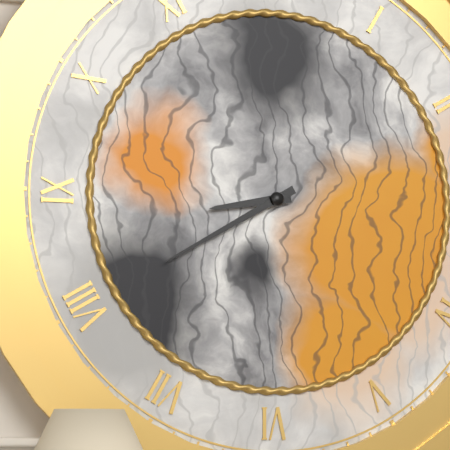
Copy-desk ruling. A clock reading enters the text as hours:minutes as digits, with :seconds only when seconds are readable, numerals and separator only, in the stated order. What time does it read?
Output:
8:40
